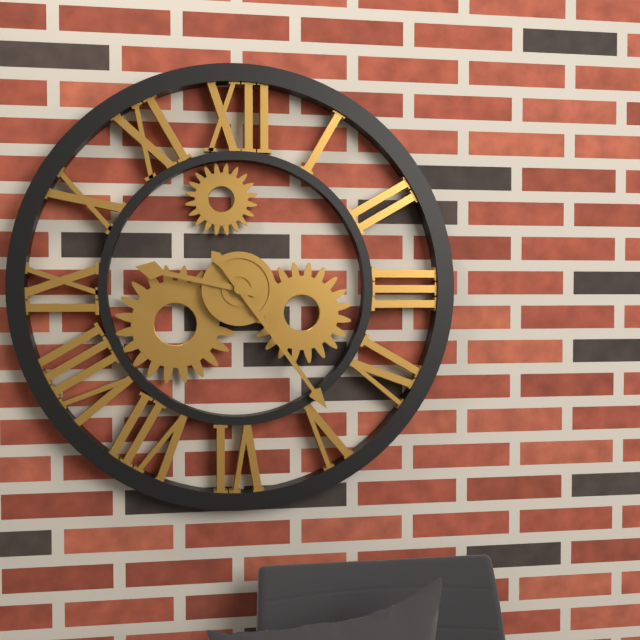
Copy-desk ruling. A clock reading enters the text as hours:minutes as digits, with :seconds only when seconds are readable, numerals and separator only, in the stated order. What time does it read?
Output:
9:24
